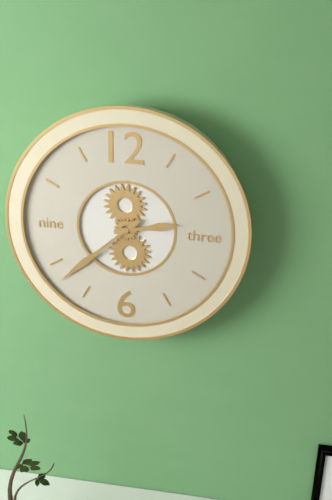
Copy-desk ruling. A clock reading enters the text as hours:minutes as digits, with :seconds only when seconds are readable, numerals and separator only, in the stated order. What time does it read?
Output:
2:38
